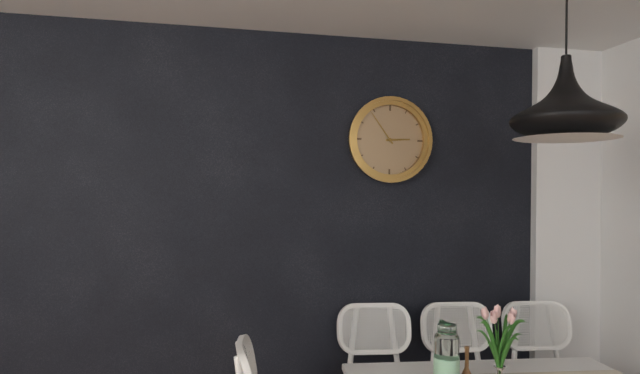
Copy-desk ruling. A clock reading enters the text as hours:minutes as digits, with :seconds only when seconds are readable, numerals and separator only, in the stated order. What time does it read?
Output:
2:54
